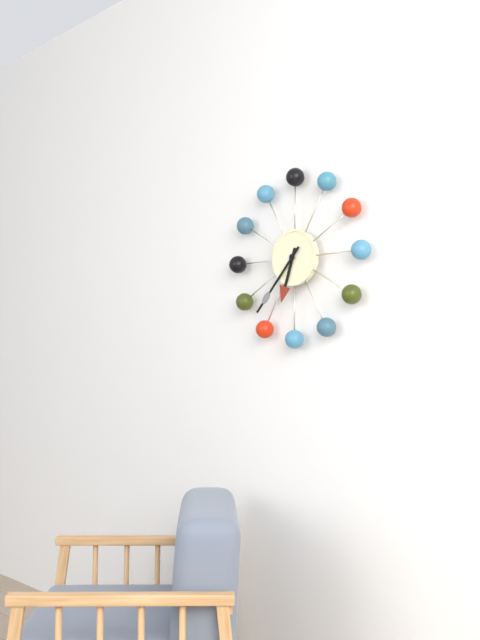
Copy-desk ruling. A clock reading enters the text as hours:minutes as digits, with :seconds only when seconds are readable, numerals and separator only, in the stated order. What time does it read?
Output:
6:37
